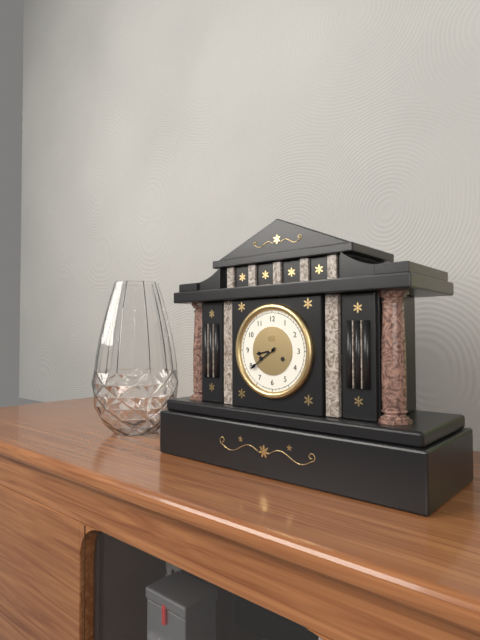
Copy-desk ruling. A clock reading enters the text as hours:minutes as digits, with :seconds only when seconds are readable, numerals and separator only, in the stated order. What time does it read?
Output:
8:39
